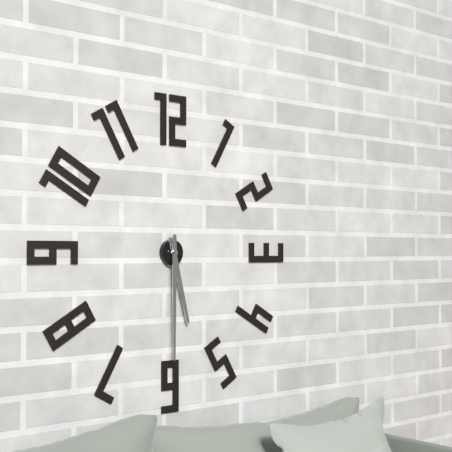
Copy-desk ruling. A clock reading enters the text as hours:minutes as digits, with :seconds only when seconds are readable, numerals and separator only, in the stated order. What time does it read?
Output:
5:30
